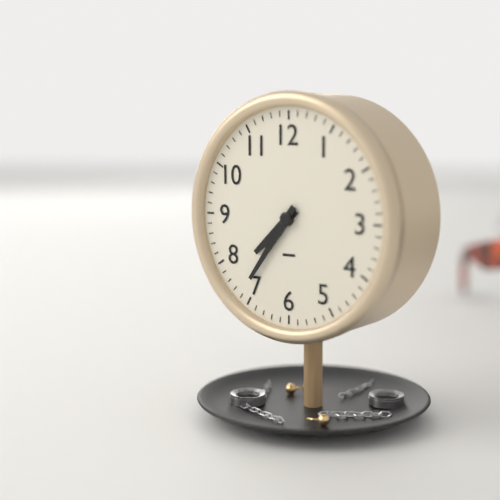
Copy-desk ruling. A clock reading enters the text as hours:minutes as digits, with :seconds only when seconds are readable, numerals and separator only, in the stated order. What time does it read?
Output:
7:36
